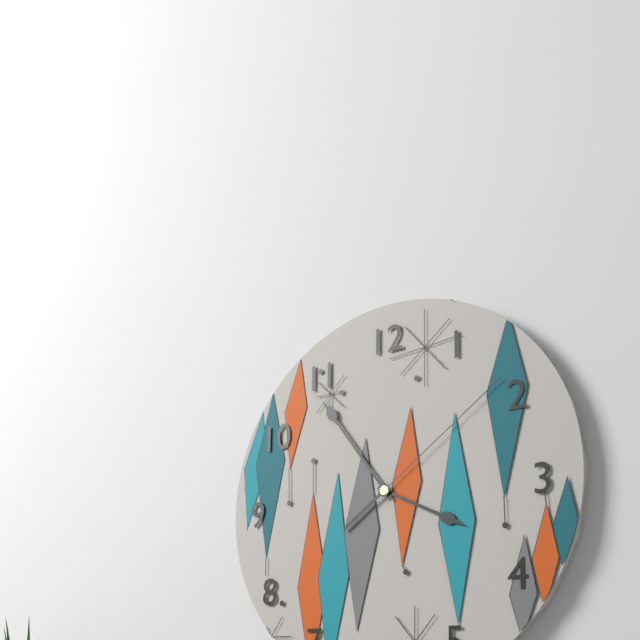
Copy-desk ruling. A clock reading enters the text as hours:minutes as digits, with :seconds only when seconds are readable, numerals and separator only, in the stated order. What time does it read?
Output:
3:54:09
